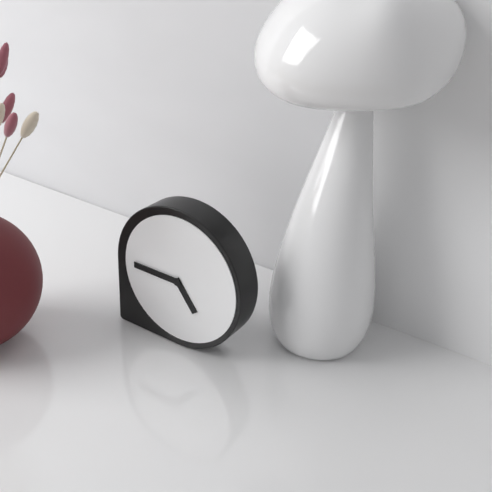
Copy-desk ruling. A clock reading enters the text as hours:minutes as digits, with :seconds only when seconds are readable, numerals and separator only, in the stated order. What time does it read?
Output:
4:45
